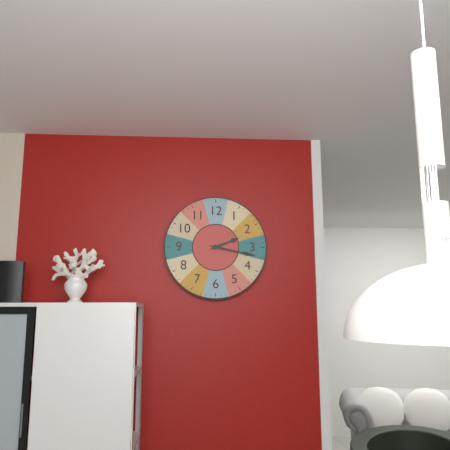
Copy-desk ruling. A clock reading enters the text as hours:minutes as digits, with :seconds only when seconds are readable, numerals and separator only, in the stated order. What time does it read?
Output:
2:17
